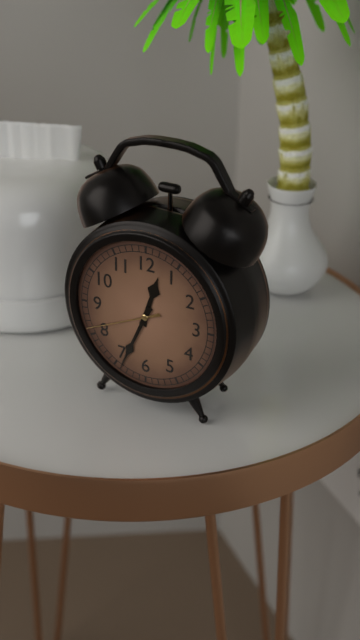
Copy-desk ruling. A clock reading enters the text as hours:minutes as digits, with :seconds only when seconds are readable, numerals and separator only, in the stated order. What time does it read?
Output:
12:34:41
